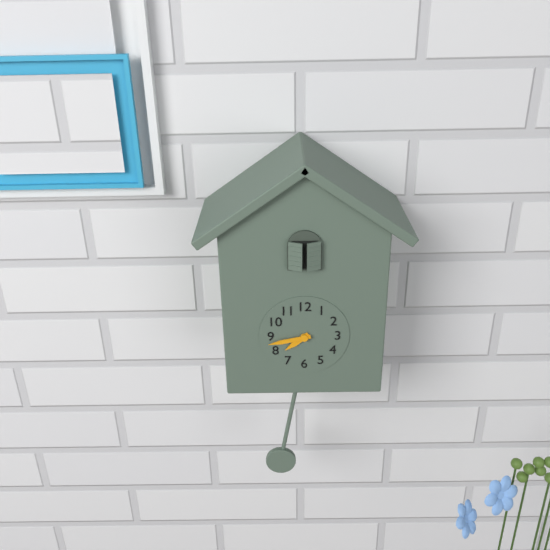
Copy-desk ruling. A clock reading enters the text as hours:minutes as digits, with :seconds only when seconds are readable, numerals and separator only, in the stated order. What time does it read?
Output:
7:43
